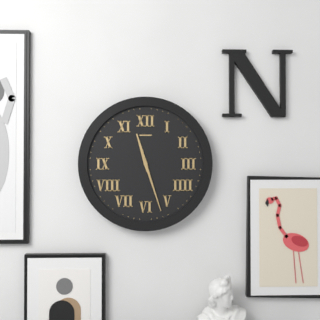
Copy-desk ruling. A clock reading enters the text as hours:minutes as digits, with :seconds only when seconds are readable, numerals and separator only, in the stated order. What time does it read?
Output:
11:27
